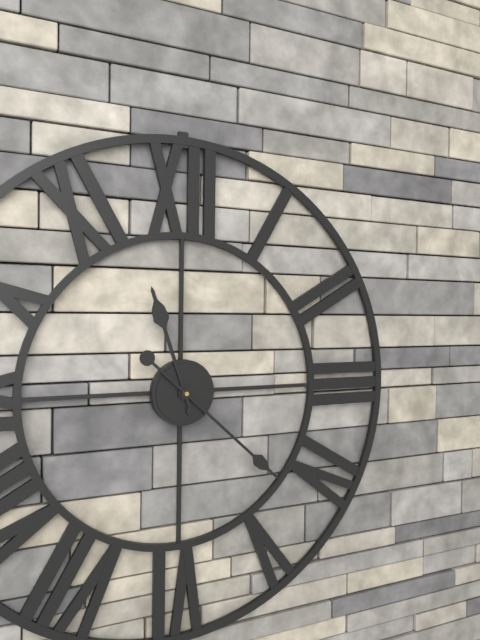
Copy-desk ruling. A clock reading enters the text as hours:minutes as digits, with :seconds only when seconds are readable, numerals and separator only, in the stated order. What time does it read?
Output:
11:22
